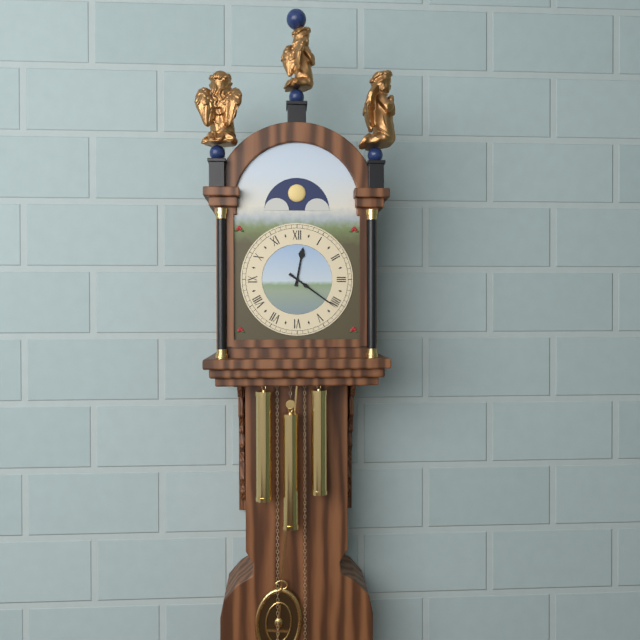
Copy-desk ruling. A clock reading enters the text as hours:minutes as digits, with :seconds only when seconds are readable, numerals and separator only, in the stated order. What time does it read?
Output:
12:21
